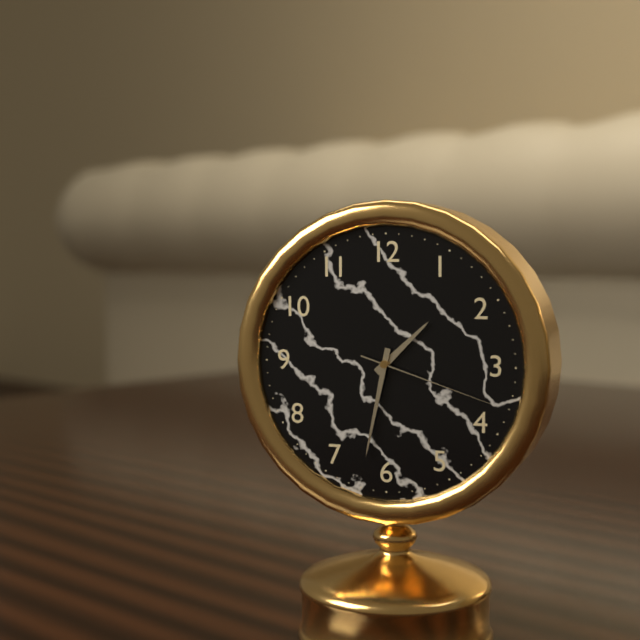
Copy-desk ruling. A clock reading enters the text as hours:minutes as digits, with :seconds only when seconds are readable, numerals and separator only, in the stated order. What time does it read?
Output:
1:32:18
